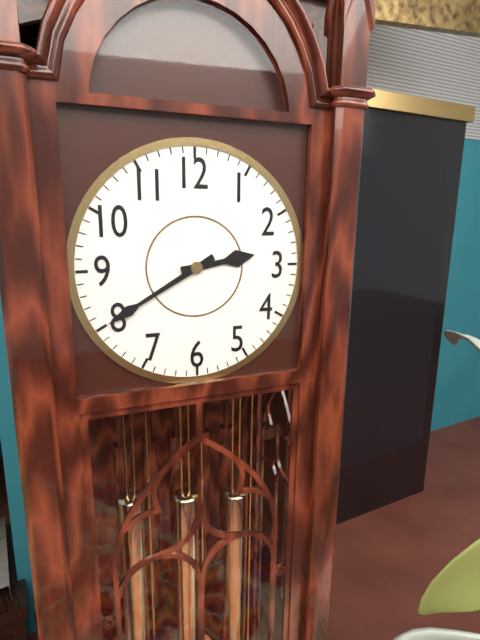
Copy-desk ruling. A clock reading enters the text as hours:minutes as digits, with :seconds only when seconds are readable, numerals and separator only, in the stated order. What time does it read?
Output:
2:40
